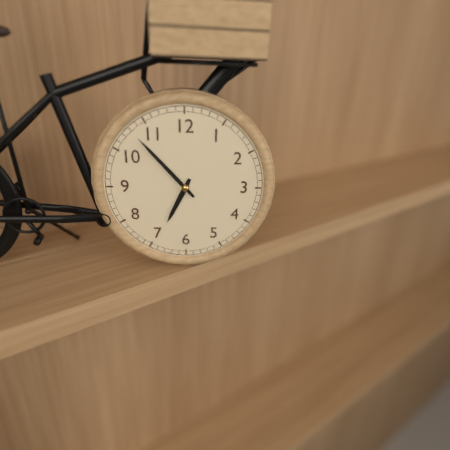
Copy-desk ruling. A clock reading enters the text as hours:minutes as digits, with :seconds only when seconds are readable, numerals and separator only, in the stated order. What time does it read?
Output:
6:53
